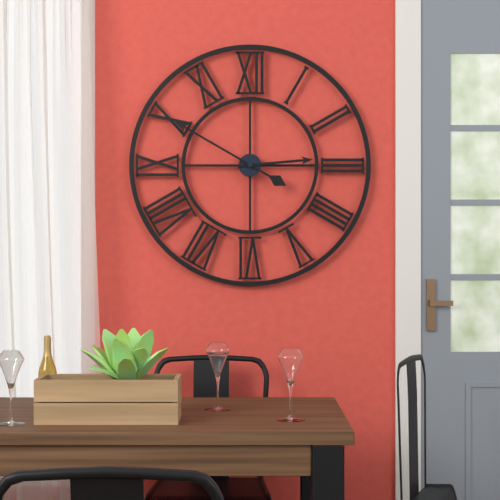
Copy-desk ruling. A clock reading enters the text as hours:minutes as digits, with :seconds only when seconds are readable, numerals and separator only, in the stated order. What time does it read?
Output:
2:50
